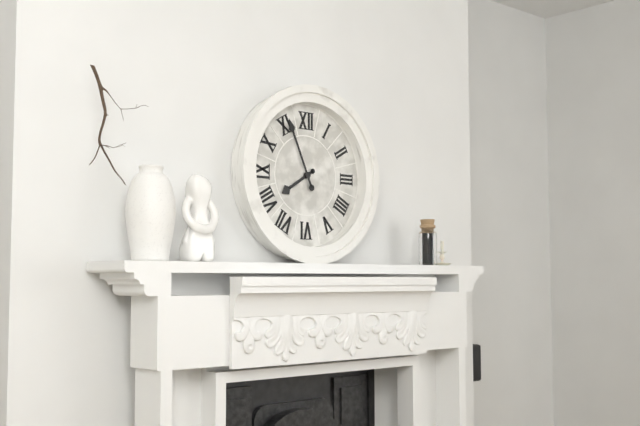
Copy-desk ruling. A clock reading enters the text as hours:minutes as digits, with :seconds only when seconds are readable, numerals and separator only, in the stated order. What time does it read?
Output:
7:56
